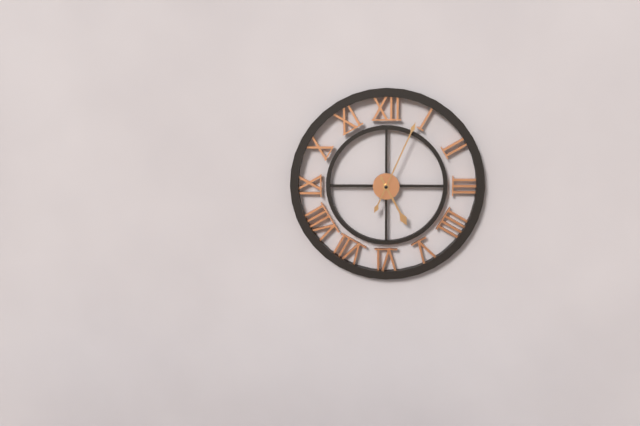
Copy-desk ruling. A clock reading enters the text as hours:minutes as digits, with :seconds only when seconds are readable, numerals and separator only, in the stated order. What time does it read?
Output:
5:04
